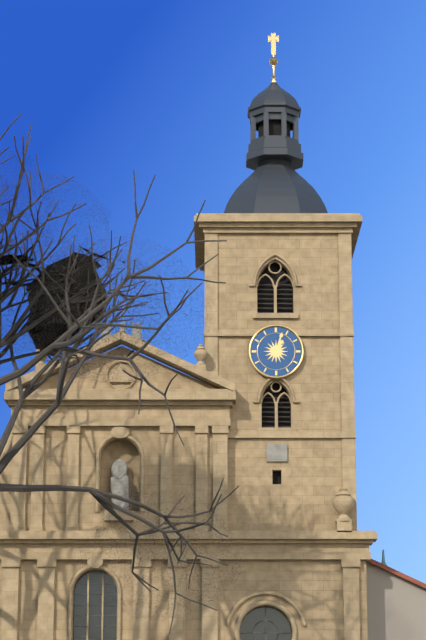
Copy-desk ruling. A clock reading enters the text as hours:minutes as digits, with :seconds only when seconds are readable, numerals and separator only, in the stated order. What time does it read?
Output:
1:03
